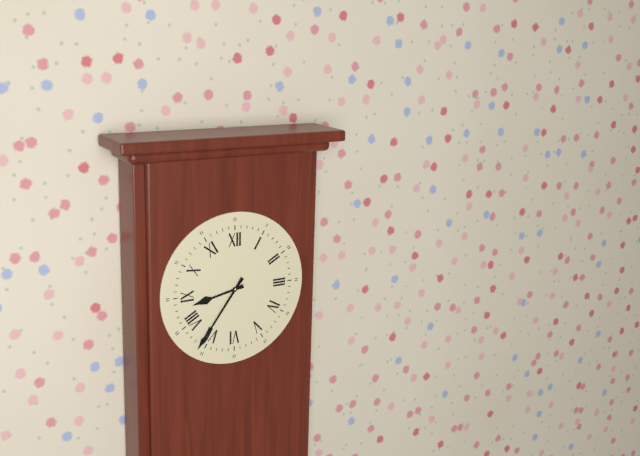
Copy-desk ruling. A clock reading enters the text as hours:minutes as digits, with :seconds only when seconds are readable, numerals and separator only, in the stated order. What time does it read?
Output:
8:36
